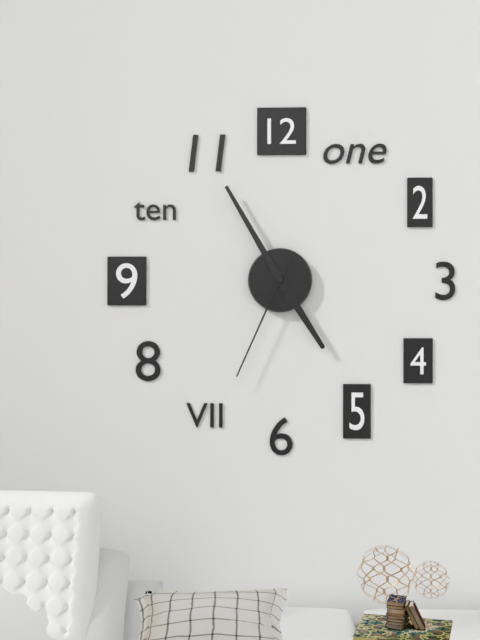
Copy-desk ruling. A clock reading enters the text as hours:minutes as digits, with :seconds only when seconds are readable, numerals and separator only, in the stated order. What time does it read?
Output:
4:55:34
